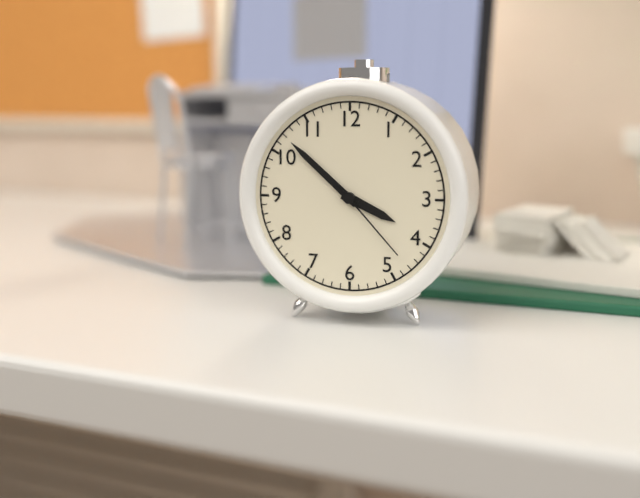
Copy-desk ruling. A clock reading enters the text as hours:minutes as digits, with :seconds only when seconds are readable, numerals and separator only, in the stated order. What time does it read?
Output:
3:52:23
